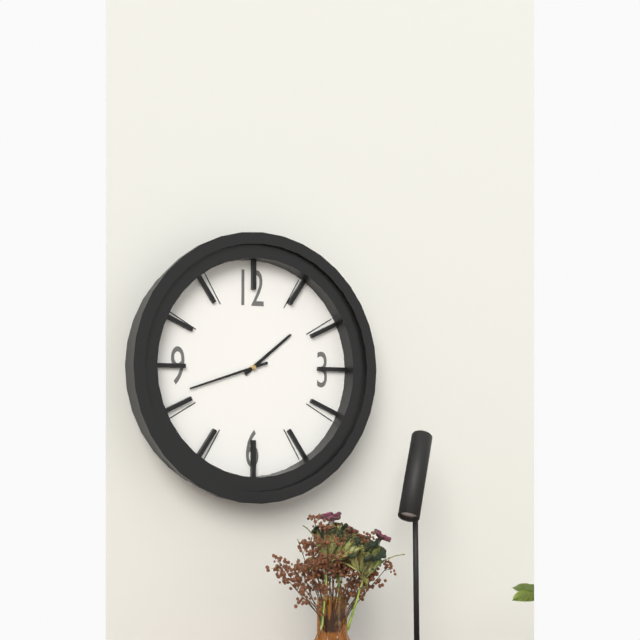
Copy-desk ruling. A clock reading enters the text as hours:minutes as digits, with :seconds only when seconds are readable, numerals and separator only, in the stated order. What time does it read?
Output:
1:42
